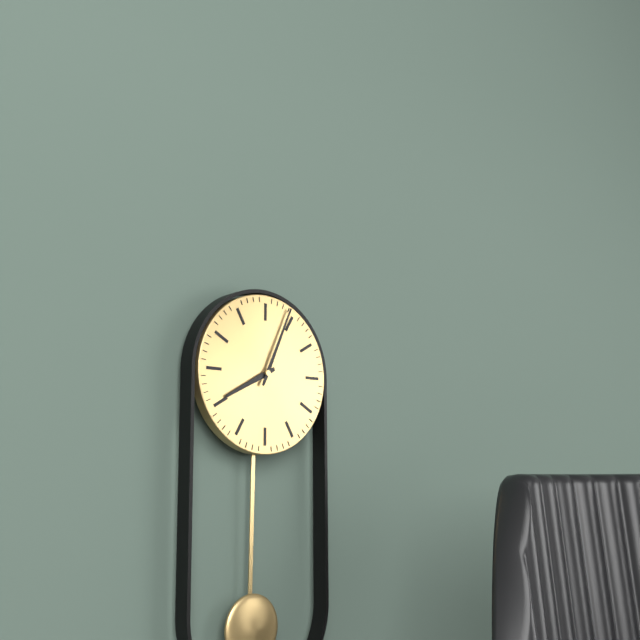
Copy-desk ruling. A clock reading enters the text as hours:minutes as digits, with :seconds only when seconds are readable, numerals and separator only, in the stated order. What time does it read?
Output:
8:04
